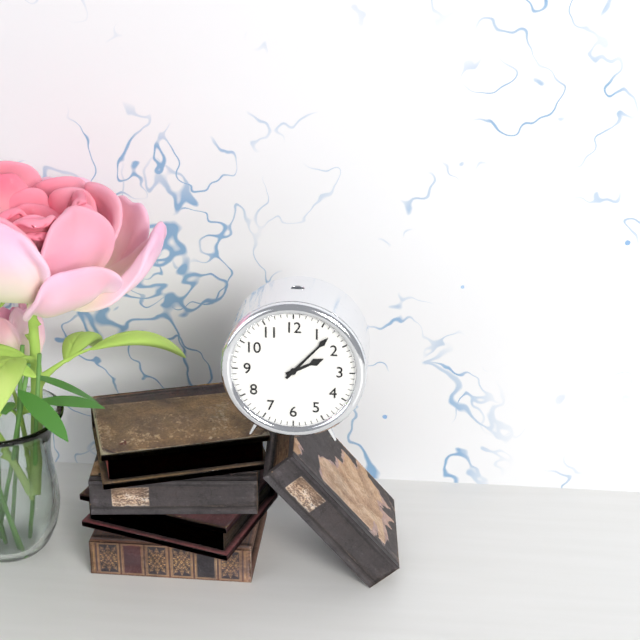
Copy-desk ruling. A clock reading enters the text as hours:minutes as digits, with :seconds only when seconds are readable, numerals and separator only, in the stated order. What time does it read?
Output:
2:07
